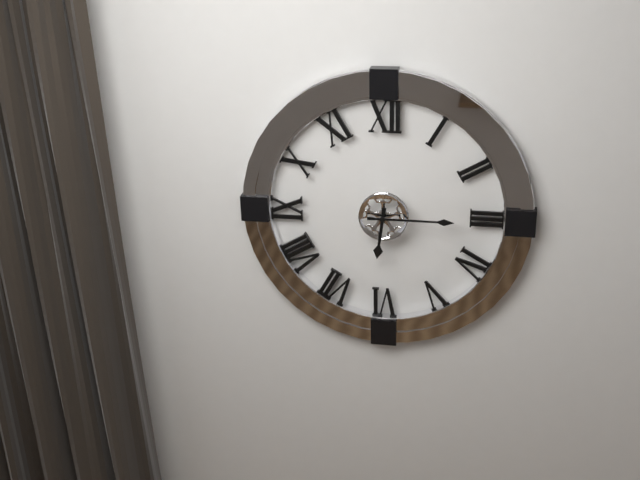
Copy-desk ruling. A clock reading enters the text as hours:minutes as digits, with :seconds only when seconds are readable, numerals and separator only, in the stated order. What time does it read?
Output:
6:15
